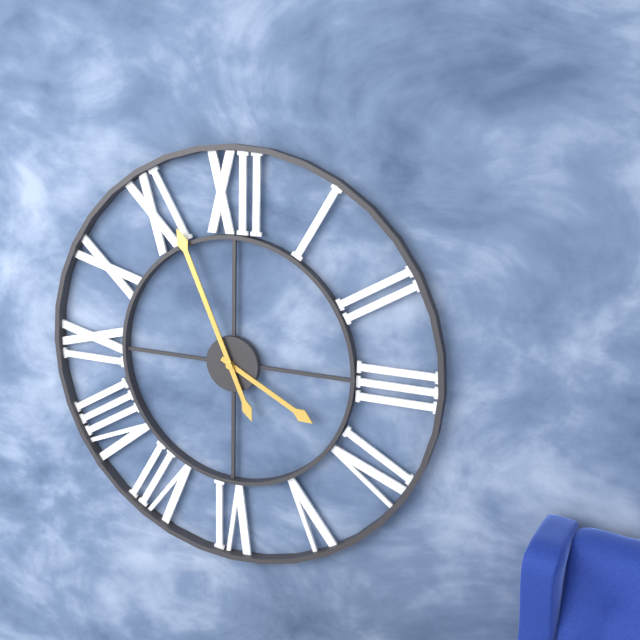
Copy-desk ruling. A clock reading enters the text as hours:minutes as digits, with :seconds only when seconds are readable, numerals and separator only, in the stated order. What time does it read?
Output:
3:56
